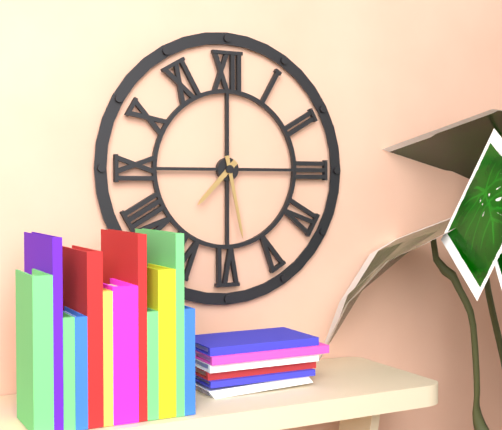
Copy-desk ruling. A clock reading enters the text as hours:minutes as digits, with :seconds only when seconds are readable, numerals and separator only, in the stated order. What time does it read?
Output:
7:28
